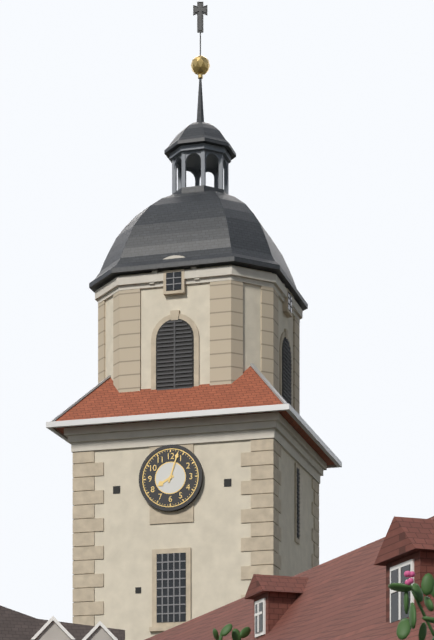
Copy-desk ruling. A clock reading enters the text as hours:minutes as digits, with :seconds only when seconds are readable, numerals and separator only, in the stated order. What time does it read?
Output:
8:03
